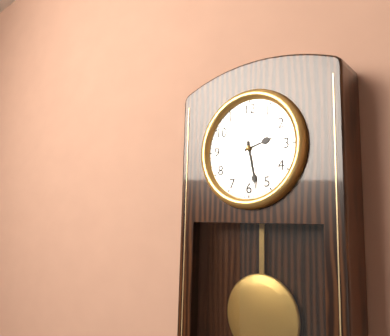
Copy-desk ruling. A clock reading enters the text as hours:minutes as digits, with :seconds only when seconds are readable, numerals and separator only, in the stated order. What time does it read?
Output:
2:28
